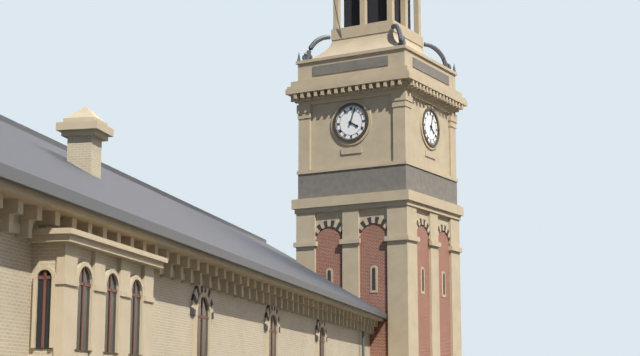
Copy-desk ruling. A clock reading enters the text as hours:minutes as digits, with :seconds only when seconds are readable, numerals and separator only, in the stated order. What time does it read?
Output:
4:03
